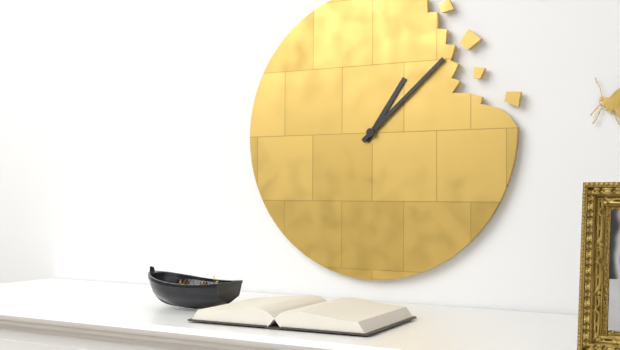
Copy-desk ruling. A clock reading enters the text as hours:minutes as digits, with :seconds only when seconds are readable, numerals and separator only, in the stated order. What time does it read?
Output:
1:08
